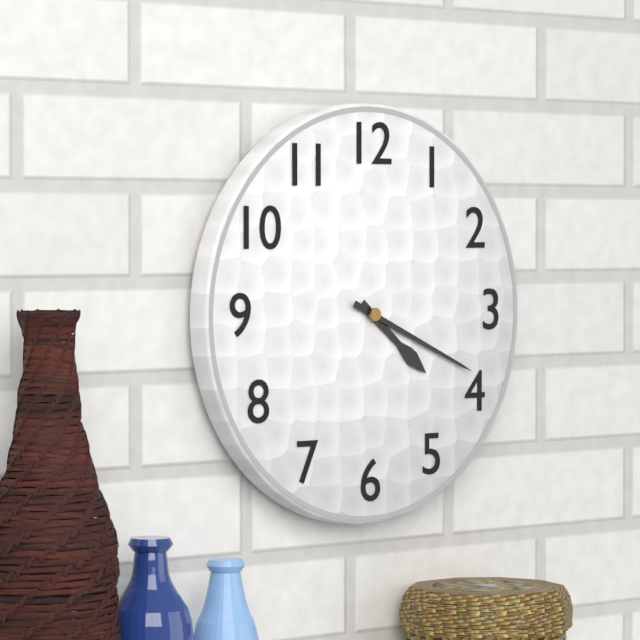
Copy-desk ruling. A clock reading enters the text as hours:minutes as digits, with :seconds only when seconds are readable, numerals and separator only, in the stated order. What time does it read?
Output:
4:19
